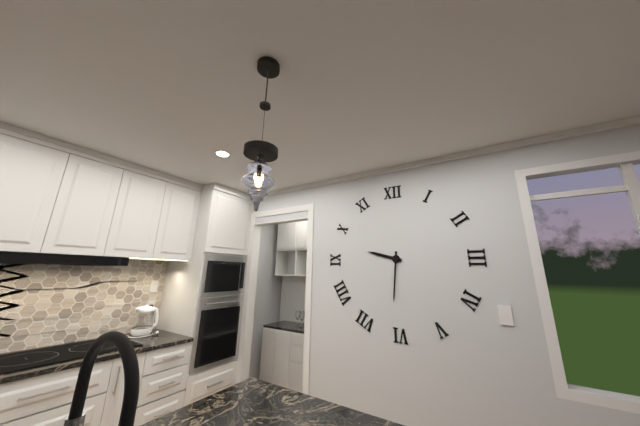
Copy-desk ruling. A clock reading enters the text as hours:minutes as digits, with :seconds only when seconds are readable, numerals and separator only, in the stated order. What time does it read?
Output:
9:31
